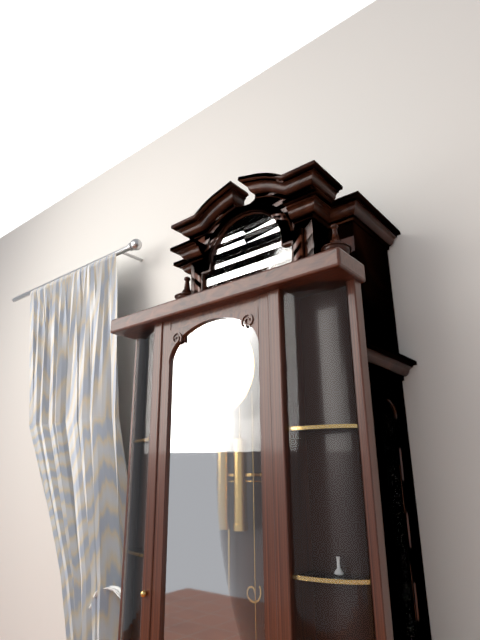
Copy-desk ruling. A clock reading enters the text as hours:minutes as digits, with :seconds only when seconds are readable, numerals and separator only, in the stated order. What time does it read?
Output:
6:07
